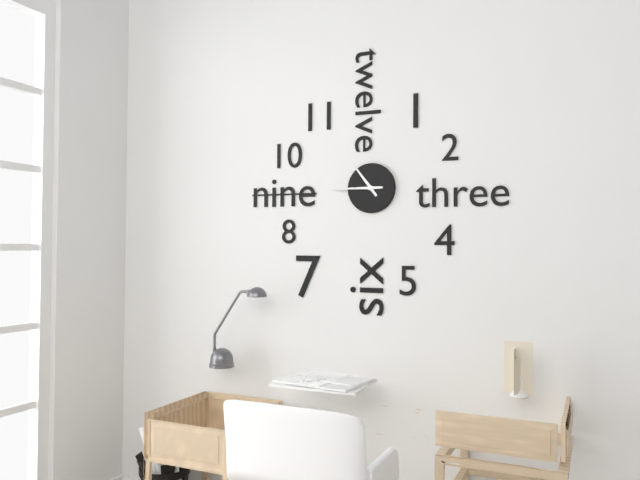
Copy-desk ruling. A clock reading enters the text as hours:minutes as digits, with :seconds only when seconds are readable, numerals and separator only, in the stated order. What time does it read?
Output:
10:45
